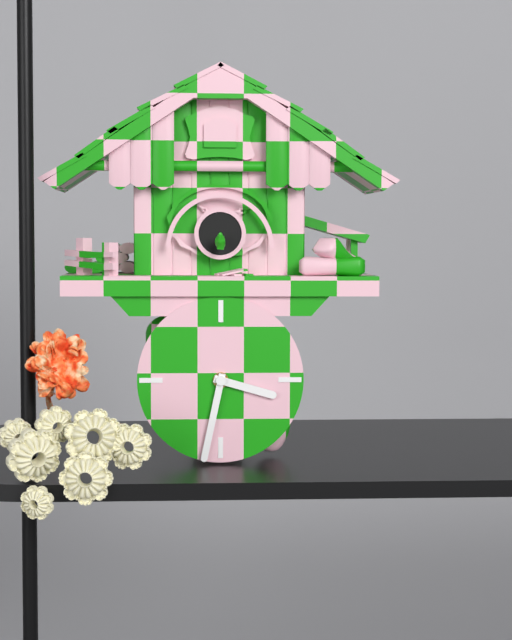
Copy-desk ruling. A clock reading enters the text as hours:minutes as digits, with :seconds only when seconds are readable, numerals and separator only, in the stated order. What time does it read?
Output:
3:32
